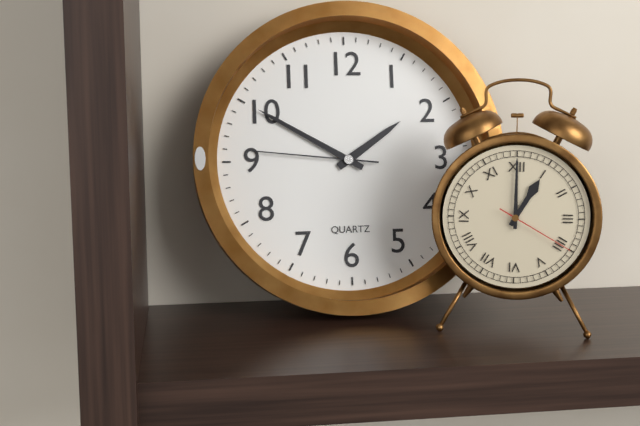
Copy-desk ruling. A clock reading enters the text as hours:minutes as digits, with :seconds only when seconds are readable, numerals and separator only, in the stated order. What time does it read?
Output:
1:50:46
